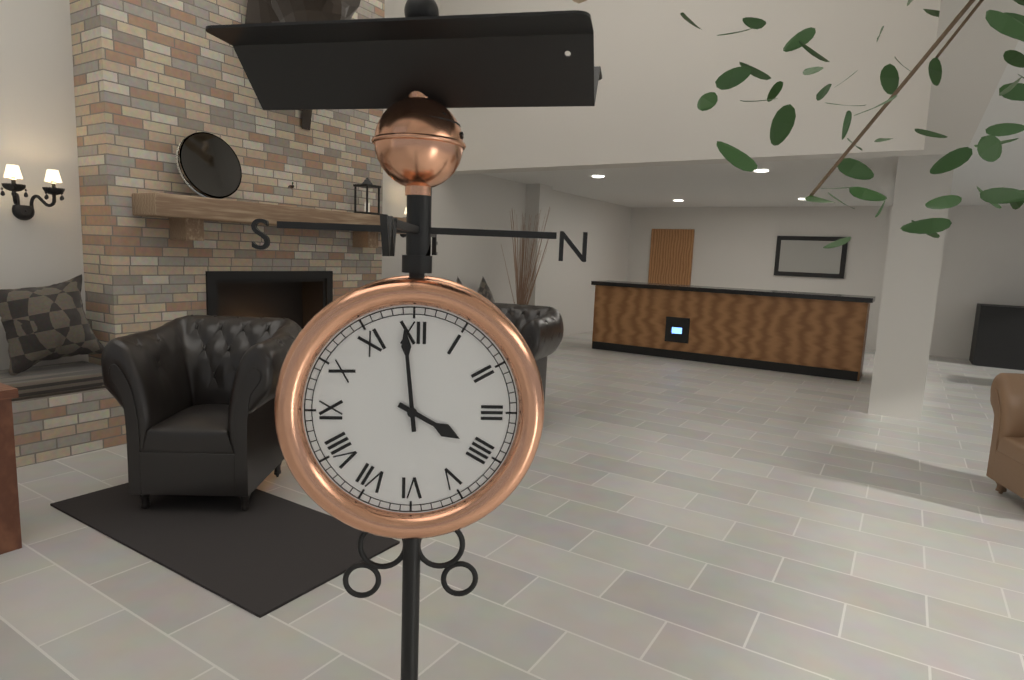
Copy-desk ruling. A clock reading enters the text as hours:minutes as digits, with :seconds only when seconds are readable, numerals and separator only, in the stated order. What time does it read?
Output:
3:59
